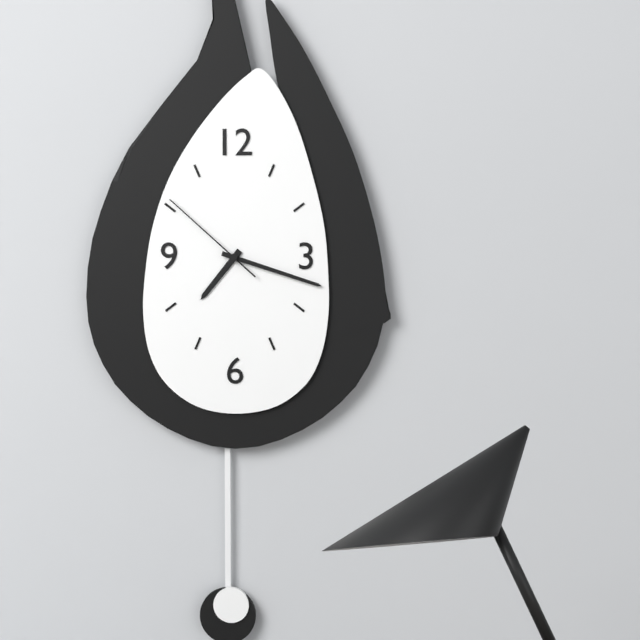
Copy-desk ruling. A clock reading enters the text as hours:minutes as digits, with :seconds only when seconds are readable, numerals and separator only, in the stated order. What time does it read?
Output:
7:18:52
